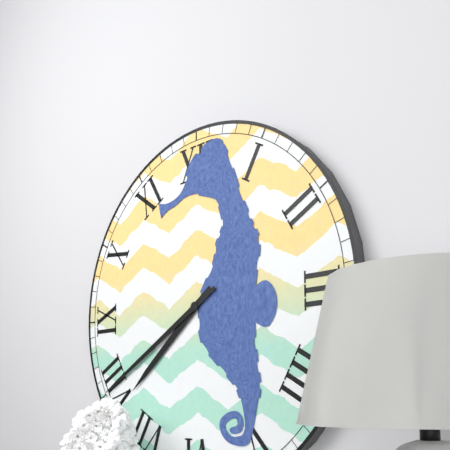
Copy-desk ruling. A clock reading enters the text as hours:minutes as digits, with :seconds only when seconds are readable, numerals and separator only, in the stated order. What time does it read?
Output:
7:40
